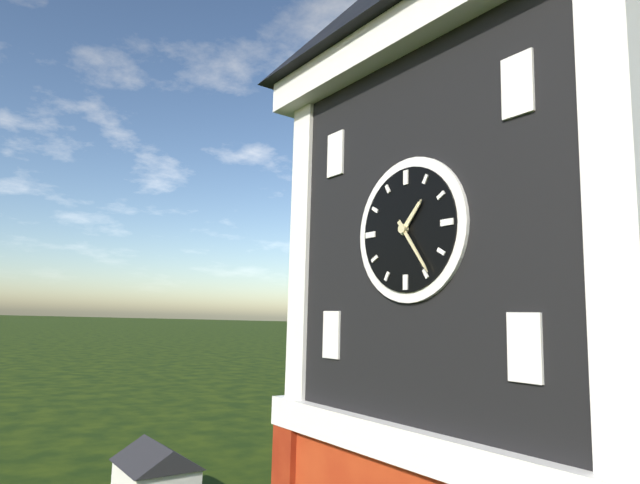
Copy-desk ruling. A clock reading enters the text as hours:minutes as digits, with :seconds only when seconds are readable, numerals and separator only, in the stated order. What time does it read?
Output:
1:24
